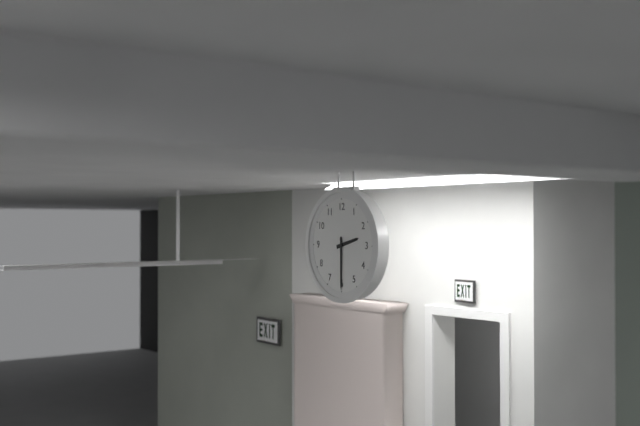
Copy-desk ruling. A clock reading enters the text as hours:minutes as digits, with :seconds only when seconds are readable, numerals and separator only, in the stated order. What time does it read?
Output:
2:30
